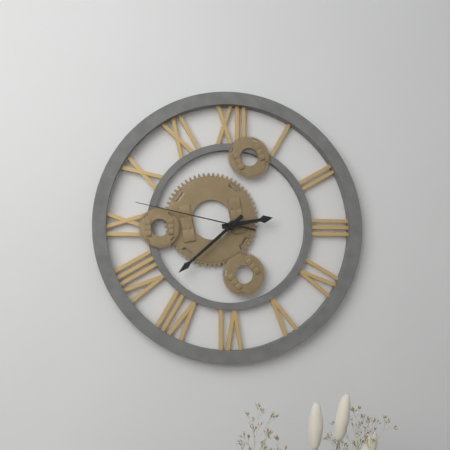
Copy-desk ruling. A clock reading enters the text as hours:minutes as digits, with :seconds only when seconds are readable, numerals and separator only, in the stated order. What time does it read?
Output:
2:38:47
